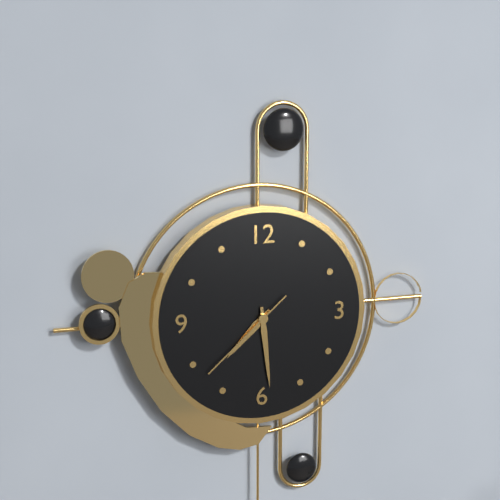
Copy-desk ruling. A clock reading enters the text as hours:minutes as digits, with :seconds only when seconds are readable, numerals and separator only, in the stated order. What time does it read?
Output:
7:29:38
